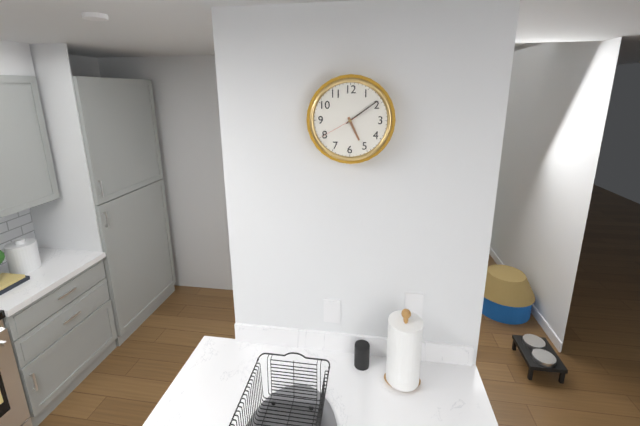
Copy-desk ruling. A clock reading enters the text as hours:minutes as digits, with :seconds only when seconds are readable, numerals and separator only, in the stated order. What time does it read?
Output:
5:09
